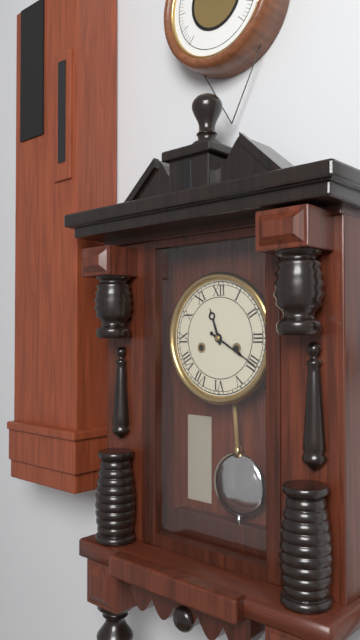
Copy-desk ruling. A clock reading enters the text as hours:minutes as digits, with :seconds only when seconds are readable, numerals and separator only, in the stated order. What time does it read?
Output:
11:20
